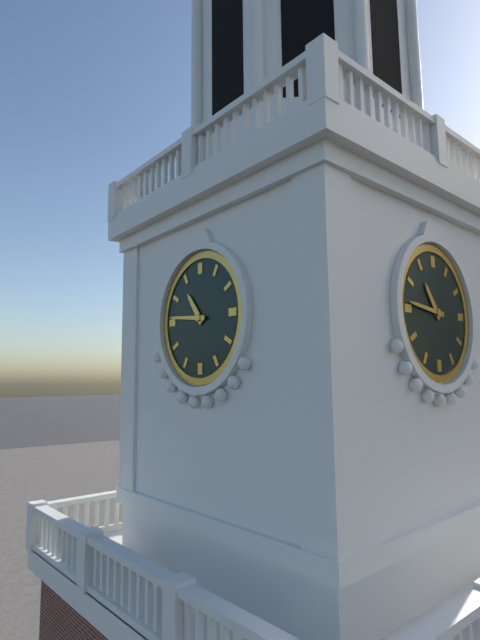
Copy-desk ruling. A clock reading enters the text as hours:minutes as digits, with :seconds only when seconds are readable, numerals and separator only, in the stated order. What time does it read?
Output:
10:46
